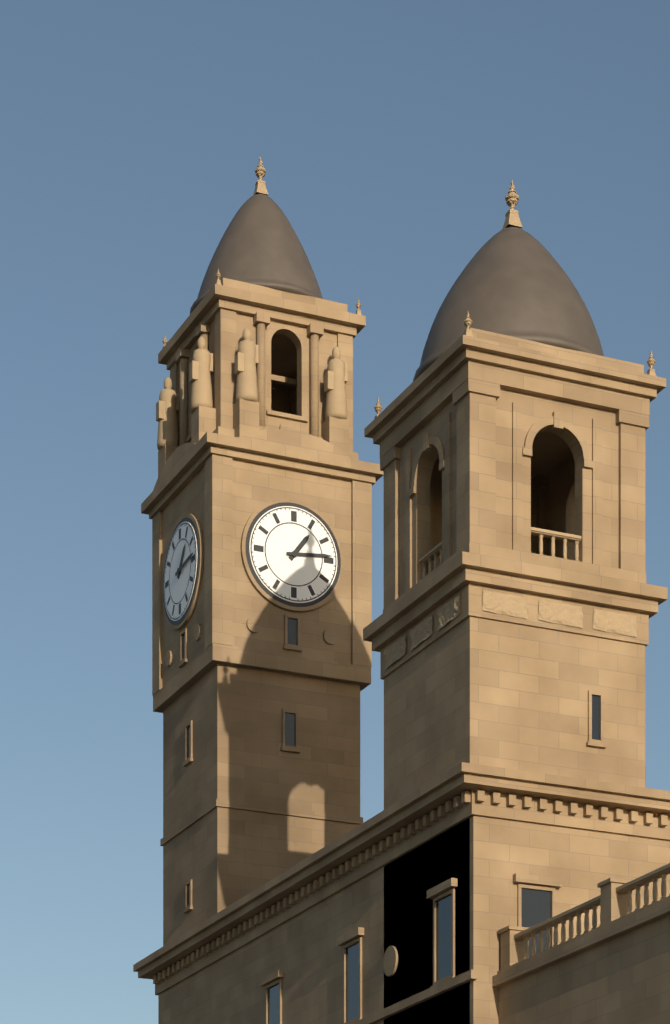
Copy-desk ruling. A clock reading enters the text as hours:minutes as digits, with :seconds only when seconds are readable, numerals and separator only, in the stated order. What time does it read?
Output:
1:14
